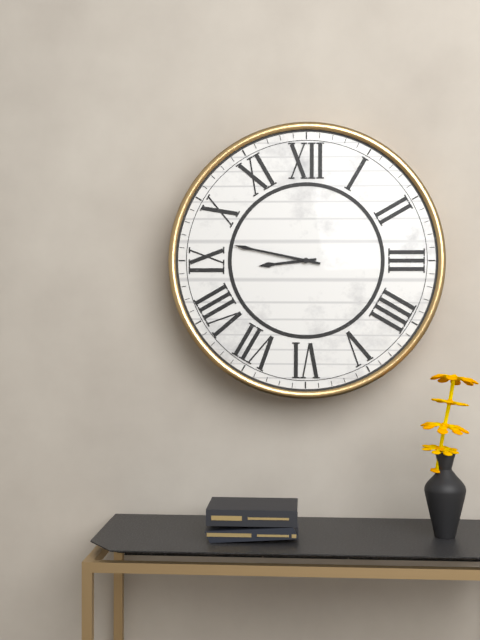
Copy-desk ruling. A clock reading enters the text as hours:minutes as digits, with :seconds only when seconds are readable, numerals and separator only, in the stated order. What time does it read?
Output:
8:47
